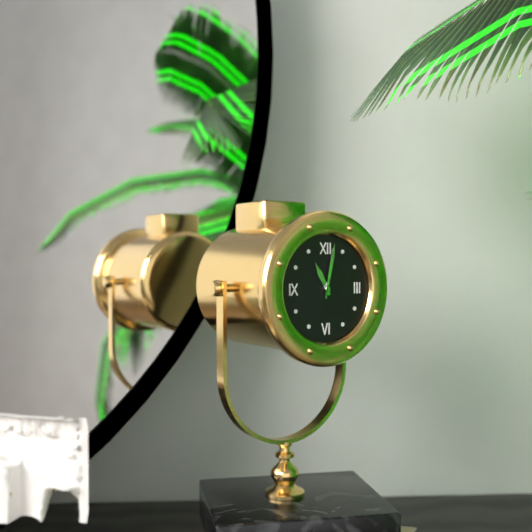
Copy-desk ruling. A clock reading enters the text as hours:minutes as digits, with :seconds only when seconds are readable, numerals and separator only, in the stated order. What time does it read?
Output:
11:02
